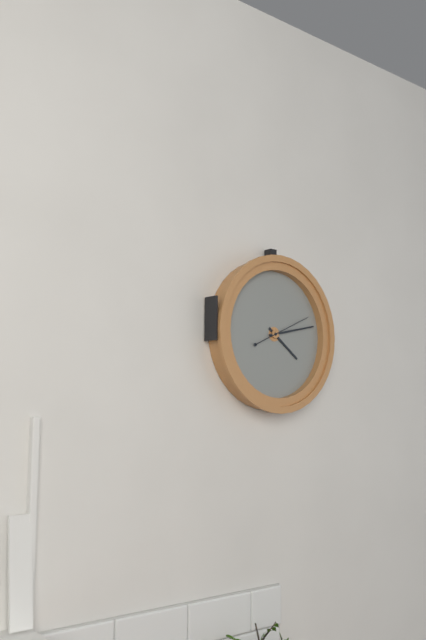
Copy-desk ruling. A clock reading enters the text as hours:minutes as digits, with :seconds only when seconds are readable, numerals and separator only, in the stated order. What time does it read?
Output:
4:13
